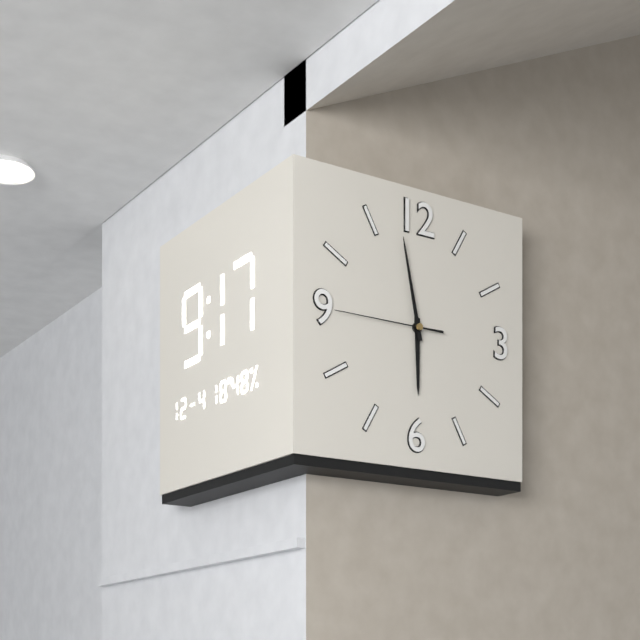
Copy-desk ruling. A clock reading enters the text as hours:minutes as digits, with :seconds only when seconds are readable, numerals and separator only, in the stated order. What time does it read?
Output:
5:58:45
